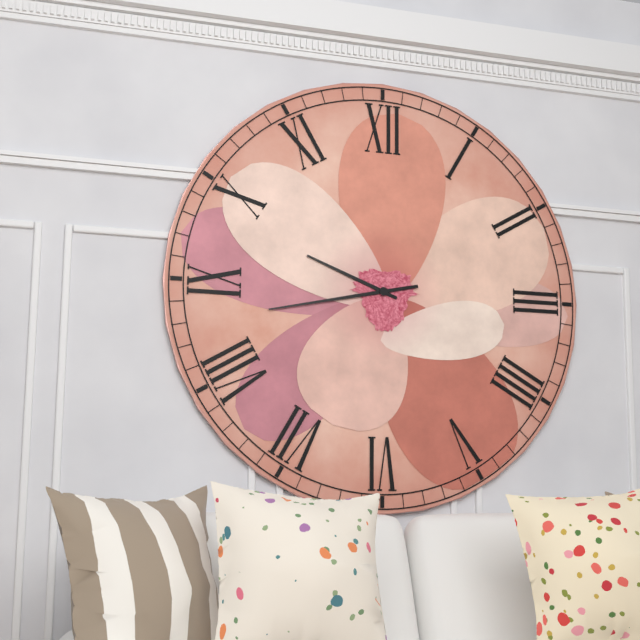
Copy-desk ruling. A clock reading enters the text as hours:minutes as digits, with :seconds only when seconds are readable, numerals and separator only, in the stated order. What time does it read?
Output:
9:43
